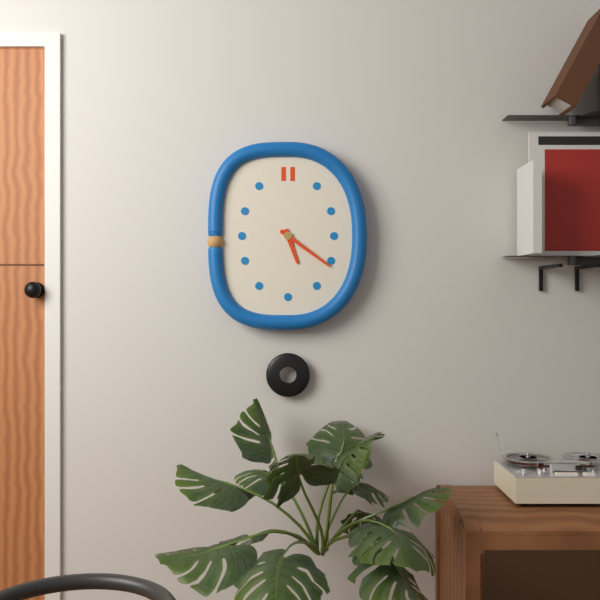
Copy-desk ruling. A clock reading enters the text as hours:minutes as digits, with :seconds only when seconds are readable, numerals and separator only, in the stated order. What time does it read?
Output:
5:21
